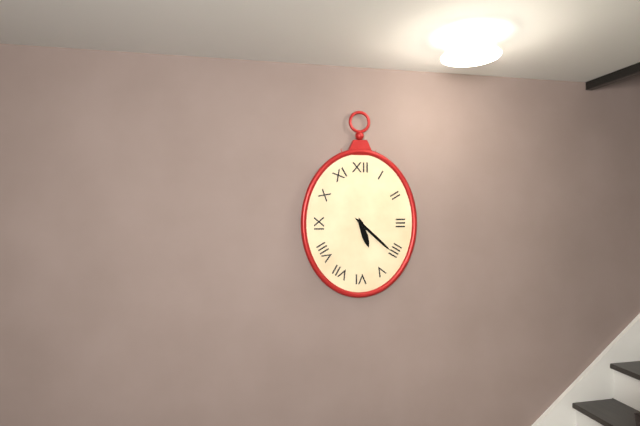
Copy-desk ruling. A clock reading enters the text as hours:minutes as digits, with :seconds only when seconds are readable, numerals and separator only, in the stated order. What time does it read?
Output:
5:22
